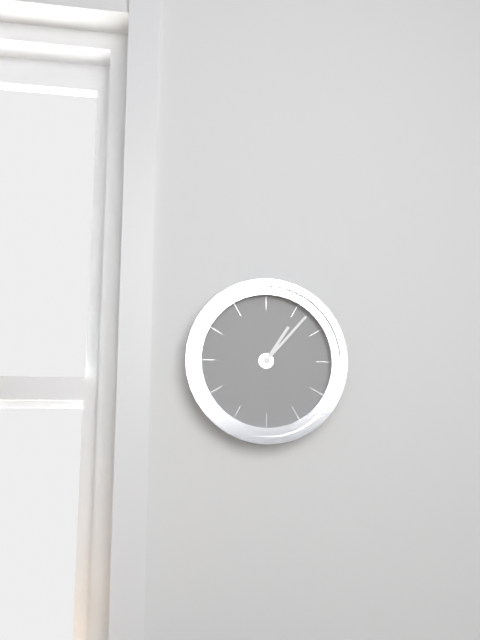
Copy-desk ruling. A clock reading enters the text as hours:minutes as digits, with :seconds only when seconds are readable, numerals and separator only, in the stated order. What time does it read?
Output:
1:07
